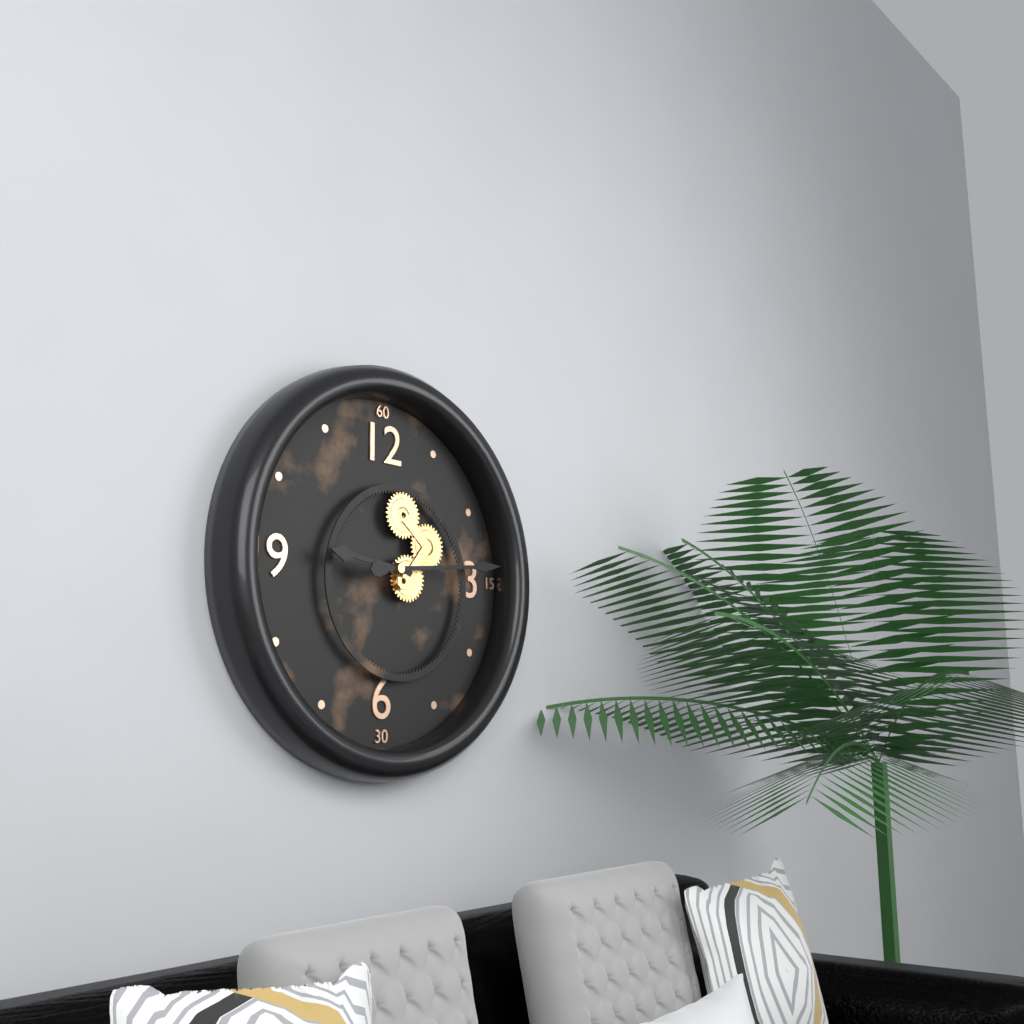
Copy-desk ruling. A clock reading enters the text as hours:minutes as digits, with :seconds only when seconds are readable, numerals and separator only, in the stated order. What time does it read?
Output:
9:14
